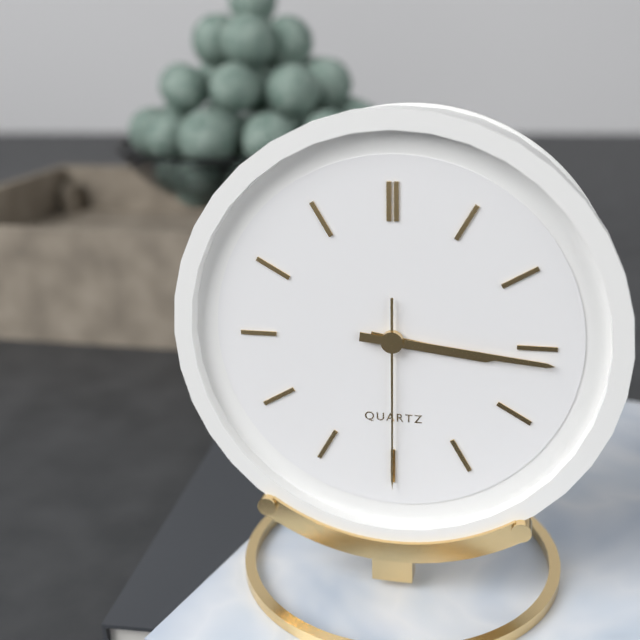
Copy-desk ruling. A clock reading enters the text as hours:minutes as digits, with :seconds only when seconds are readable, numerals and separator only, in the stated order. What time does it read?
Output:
3:16:30
